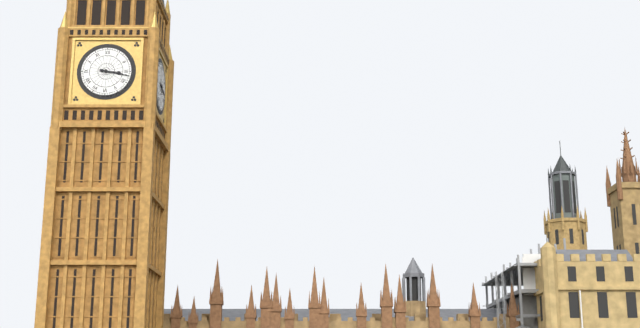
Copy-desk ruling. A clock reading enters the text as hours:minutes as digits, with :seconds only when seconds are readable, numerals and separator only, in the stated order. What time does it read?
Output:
3:17
